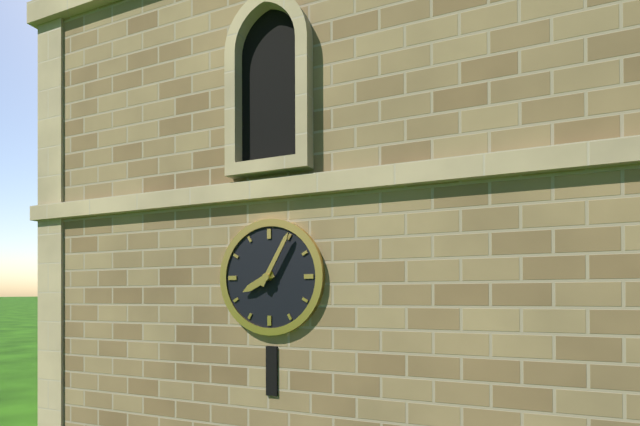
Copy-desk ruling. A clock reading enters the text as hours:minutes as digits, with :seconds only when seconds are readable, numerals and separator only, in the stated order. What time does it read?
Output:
8:05
